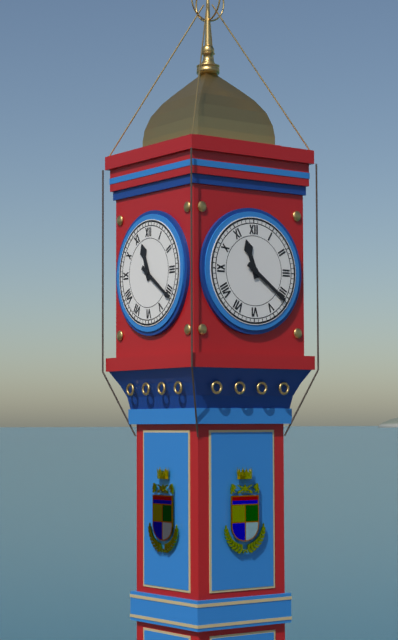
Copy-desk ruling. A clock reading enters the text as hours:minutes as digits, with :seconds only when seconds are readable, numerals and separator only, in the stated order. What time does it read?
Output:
11:21
